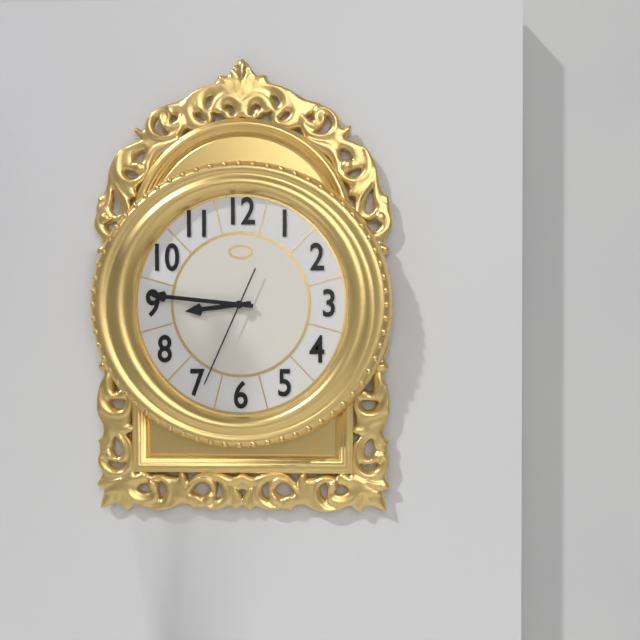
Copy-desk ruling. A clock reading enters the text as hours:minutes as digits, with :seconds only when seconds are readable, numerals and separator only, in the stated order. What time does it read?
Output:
8:46:34
